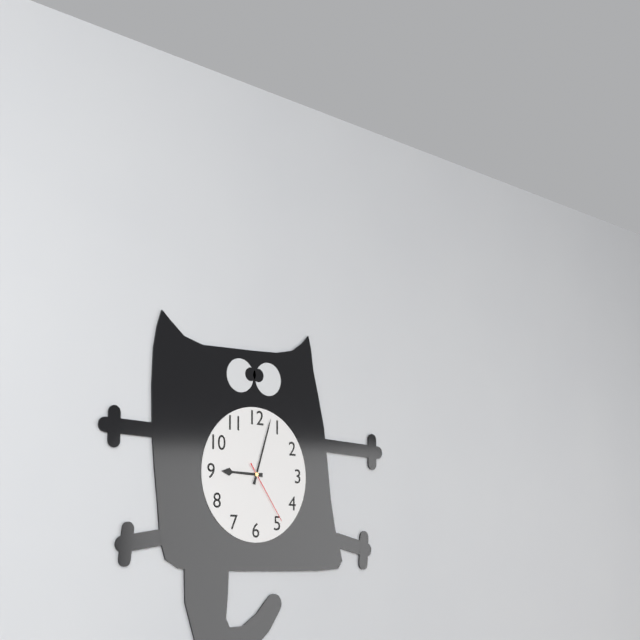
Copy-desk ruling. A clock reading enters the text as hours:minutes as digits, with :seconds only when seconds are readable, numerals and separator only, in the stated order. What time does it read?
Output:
9:03:24
